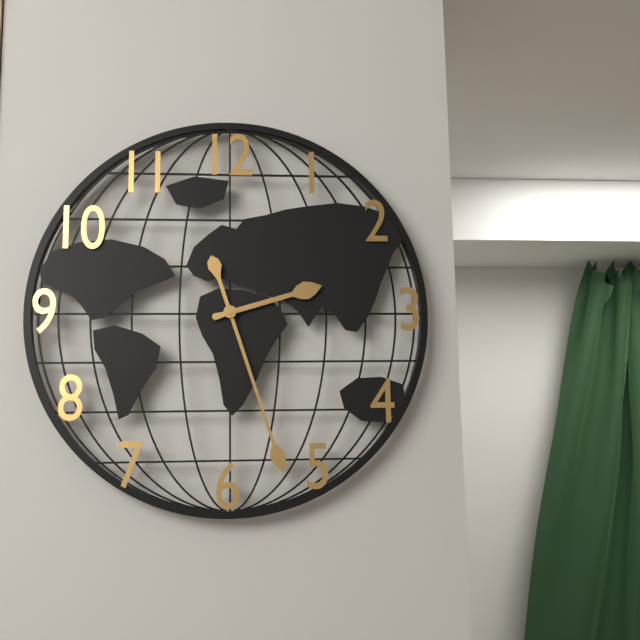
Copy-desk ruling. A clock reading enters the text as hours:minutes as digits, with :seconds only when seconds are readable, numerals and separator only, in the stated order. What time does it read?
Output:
2:27
